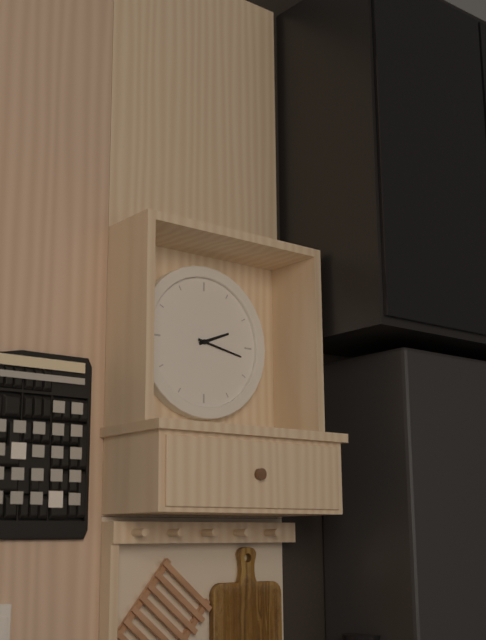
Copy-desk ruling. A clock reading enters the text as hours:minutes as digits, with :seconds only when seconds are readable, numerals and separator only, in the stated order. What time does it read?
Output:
2:17
